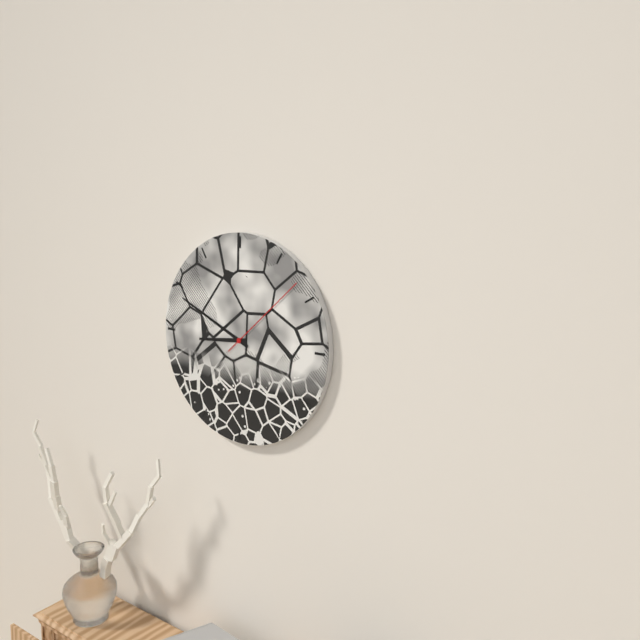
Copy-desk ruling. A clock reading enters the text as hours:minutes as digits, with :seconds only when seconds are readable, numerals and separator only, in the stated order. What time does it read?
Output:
8:49:08
